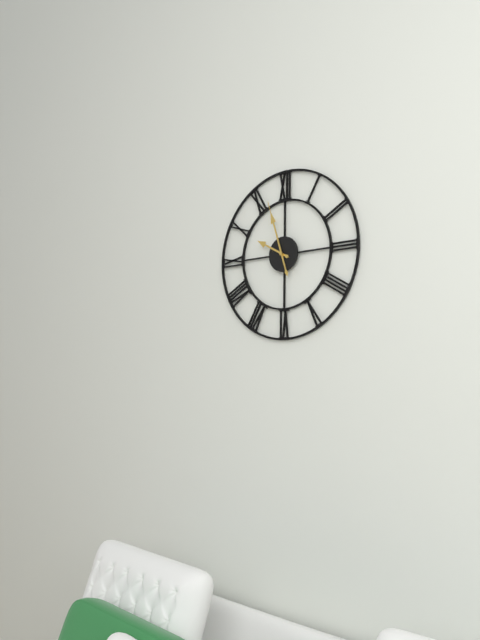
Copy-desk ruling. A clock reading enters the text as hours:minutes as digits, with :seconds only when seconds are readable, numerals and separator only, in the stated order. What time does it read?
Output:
9:57
